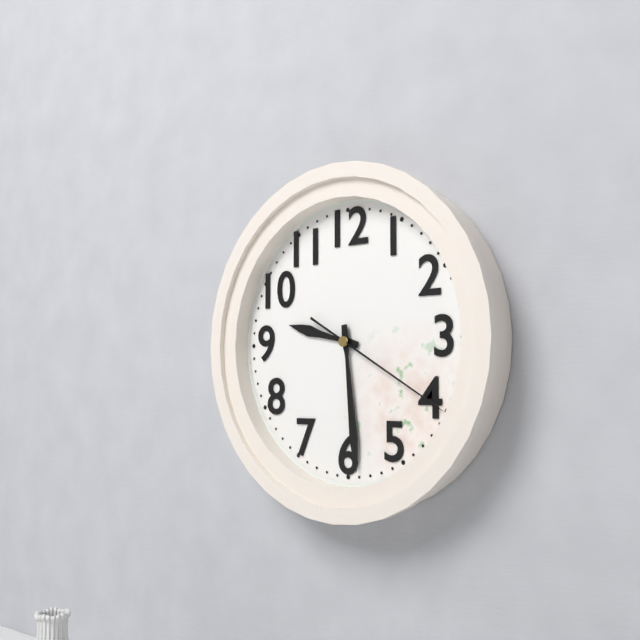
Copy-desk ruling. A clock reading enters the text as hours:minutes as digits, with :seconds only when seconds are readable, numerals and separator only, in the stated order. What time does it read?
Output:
9:29:20
